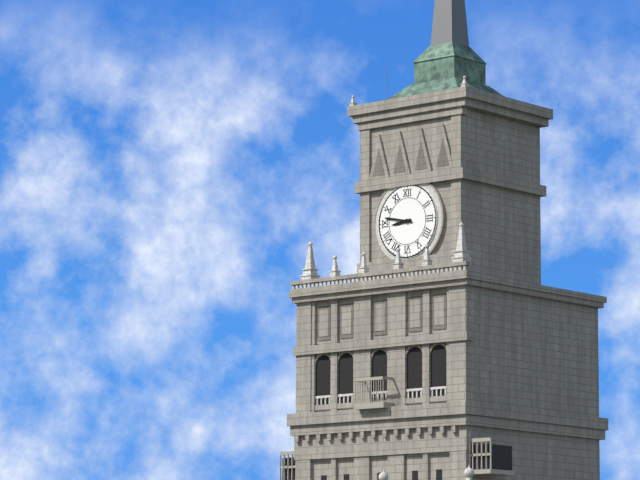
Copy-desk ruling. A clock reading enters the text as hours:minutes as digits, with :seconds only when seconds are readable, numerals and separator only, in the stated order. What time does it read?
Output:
8:47
